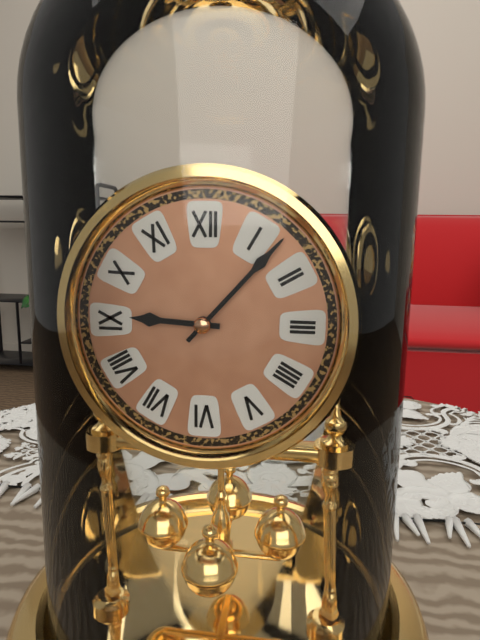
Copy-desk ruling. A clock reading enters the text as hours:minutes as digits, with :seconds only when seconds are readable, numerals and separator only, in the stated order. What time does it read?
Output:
9:07
